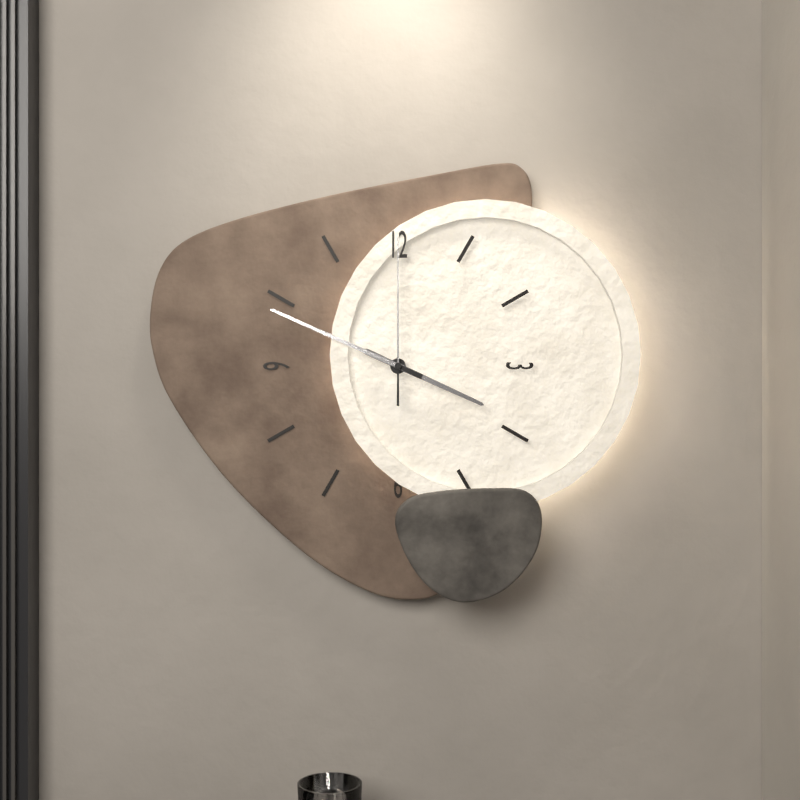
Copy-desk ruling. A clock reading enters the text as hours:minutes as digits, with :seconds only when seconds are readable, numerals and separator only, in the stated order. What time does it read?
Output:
3:49:00
